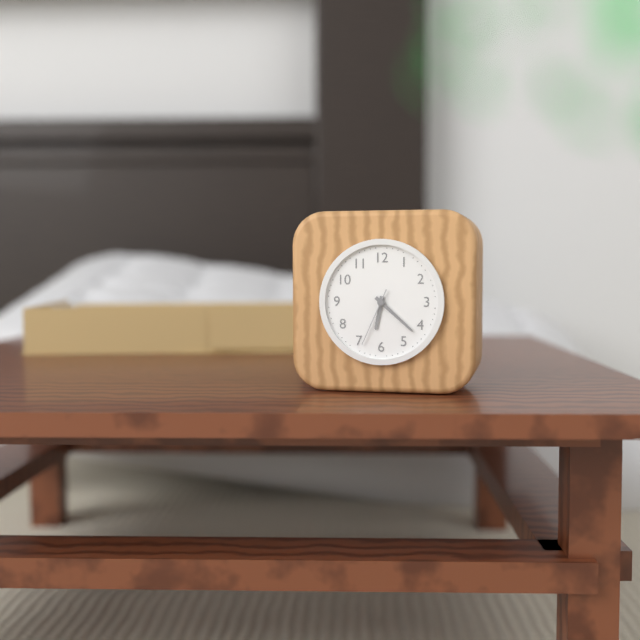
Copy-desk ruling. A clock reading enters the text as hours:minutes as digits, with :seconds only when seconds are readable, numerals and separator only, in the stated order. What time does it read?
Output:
6:22:34
